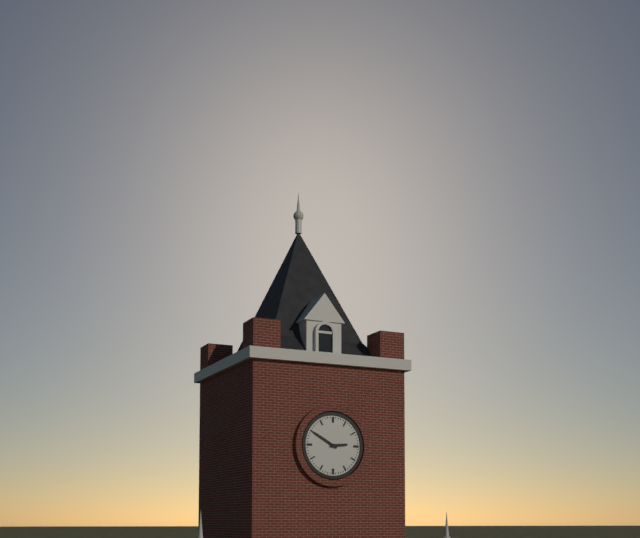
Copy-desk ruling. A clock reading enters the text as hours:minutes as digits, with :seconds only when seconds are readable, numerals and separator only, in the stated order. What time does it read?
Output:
2:50
